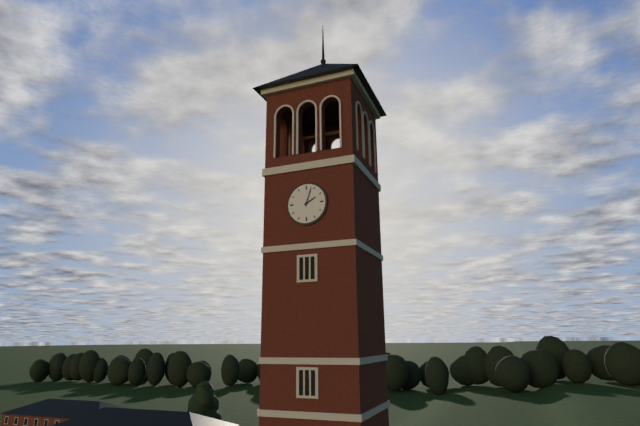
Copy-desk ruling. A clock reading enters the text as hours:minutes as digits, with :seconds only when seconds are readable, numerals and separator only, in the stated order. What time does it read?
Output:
2:03
